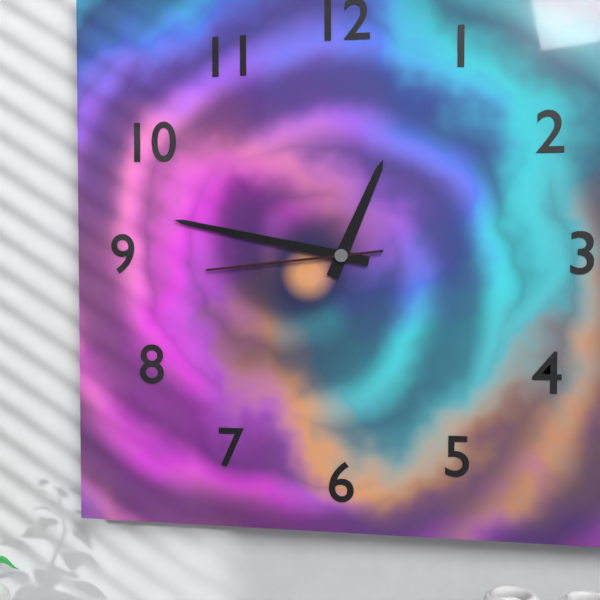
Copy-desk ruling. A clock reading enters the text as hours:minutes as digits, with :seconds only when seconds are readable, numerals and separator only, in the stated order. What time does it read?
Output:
12:47:44
